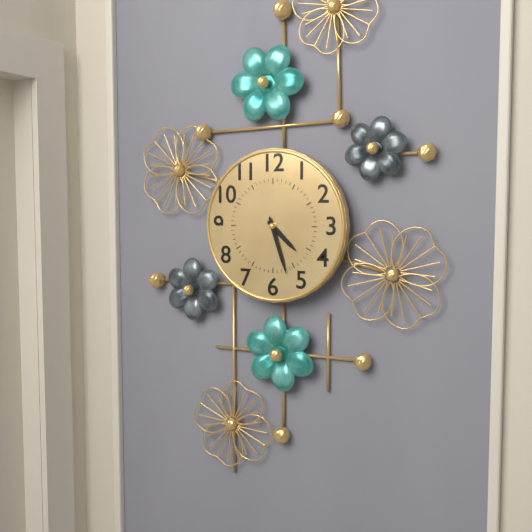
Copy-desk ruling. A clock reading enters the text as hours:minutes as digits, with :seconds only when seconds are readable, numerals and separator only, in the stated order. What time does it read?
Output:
4:27
